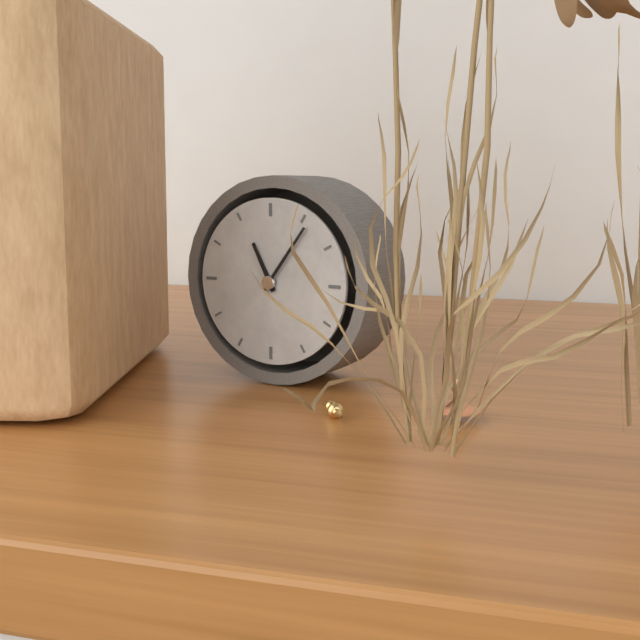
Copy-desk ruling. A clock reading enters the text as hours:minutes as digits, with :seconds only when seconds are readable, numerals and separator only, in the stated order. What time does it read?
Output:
11:06
